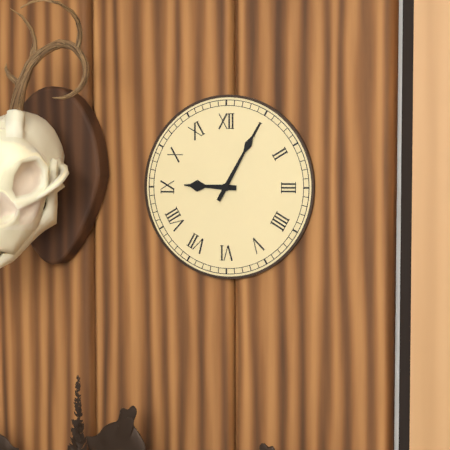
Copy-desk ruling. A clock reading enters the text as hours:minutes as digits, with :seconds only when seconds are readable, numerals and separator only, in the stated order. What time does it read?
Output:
9:05
